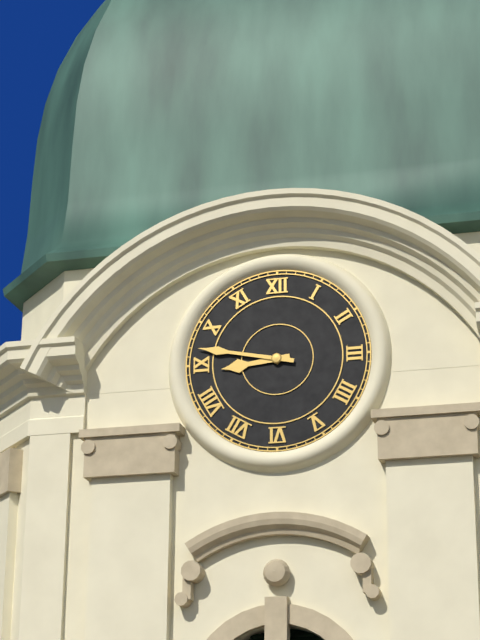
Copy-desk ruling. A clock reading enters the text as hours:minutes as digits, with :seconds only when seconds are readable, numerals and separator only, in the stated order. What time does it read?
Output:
8:47
